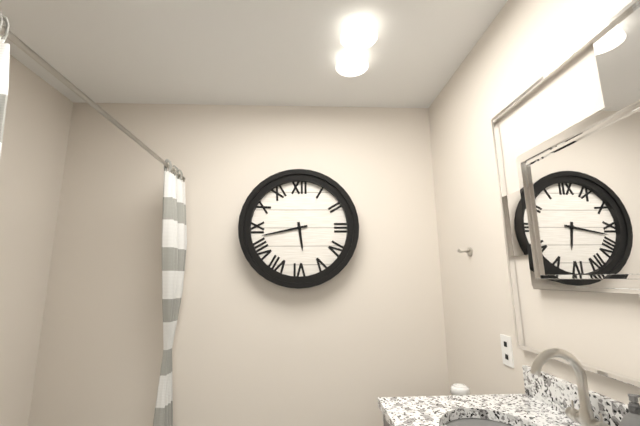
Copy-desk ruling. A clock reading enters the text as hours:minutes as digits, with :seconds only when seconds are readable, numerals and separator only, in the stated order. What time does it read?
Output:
5:43
